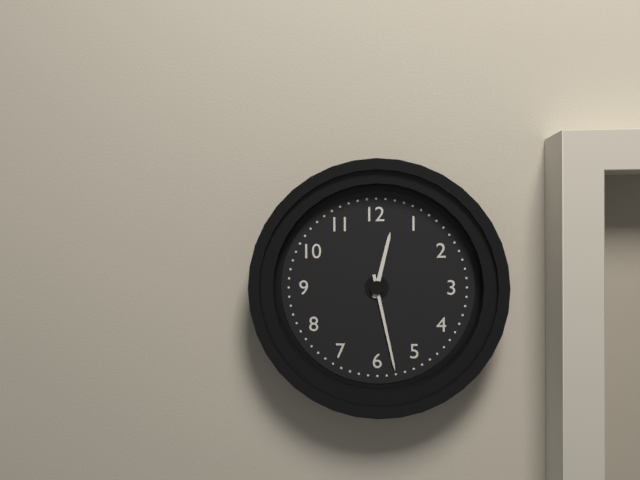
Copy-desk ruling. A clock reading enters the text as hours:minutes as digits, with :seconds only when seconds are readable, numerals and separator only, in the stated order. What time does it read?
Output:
12:28
